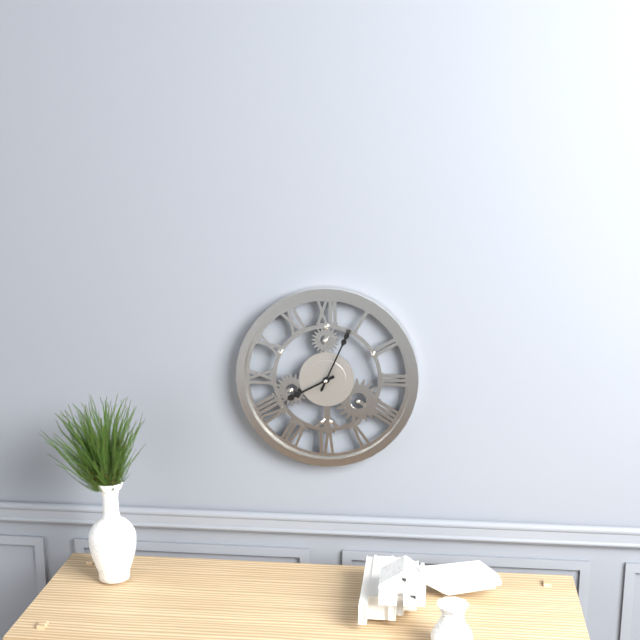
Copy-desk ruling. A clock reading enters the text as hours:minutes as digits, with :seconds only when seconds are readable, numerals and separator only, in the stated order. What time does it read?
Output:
8:04
